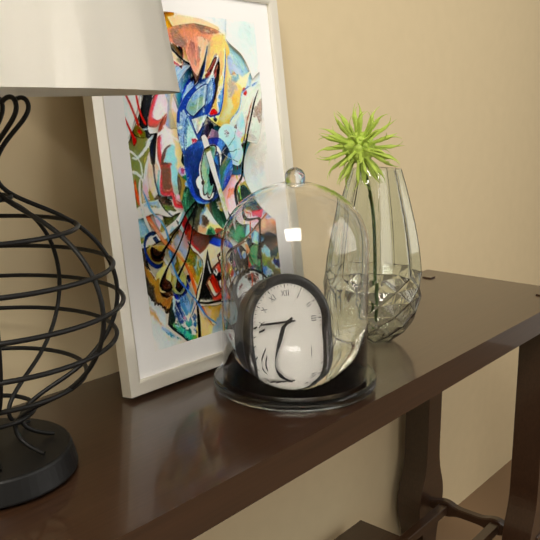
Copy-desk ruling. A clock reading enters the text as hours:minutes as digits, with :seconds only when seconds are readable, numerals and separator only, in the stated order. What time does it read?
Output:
7:45
